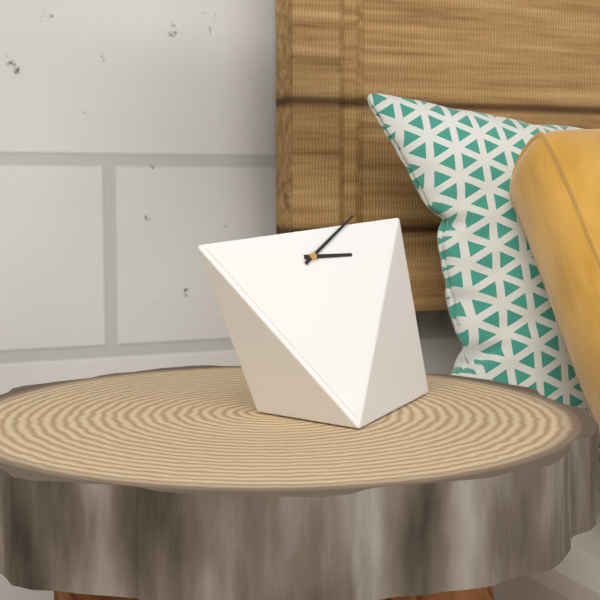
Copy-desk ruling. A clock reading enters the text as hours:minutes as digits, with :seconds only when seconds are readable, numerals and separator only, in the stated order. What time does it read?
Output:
3:10
